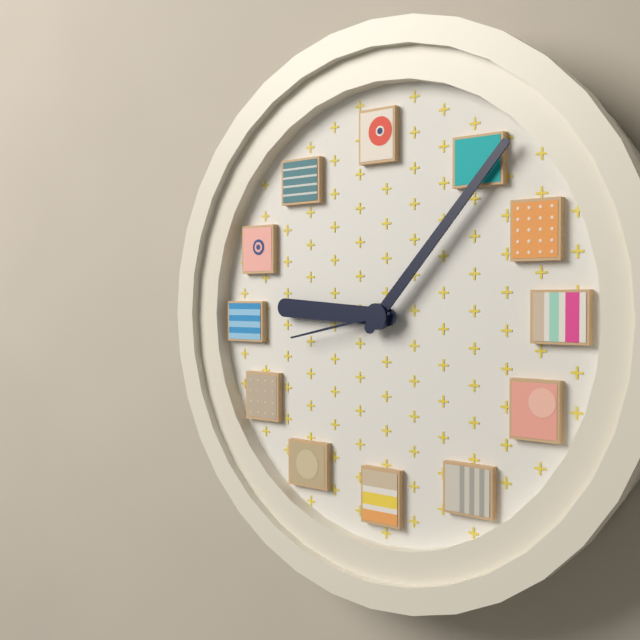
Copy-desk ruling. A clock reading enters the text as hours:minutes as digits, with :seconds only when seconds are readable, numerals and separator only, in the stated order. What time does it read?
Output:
9:07:43
